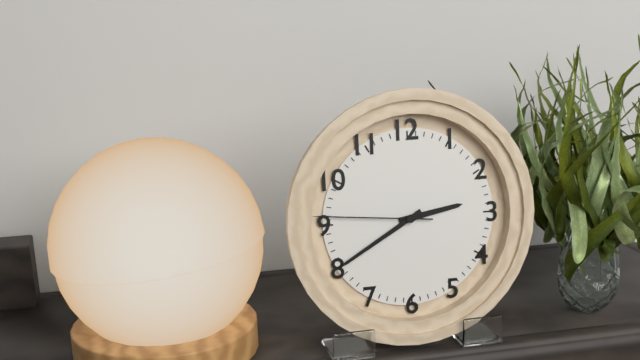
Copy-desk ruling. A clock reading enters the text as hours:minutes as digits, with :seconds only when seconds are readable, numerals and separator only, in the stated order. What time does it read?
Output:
2:40:46
